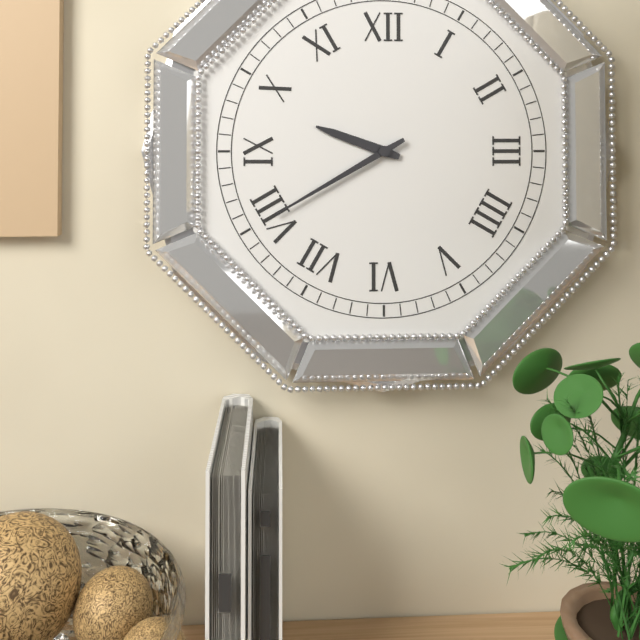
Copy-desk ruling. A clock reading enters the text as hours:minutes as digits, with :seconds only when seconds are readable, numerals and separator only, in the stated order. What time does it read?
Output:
9:40
